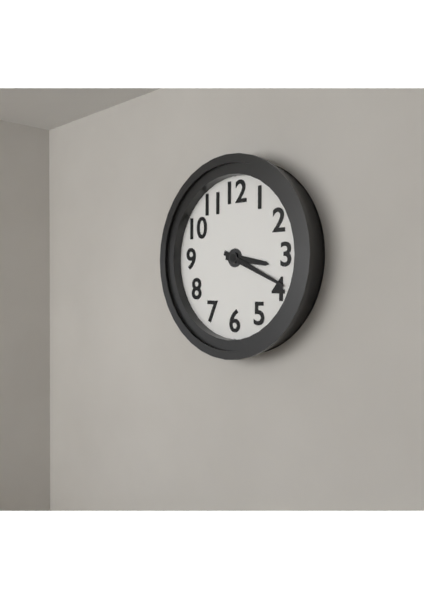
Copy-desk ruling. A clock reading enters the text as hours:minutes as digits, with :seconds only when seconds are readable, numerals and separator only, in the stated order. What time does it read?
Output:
3:19
